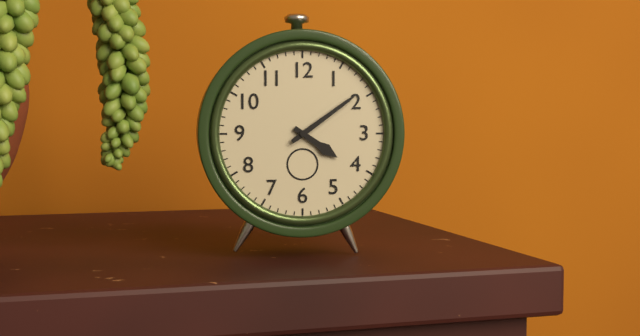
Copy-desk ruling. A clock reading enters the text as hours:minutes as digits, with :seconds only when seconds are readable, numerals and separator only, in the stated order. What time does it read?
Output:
4:09
